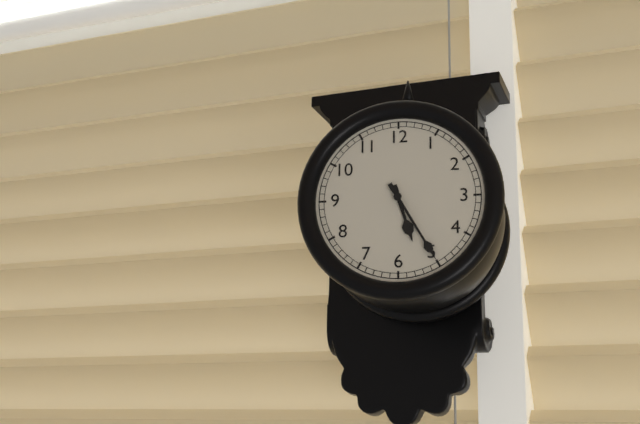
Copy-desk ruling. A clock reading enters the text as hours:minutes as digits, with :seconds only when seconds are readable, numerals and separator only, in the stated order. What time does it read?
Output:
5:25
